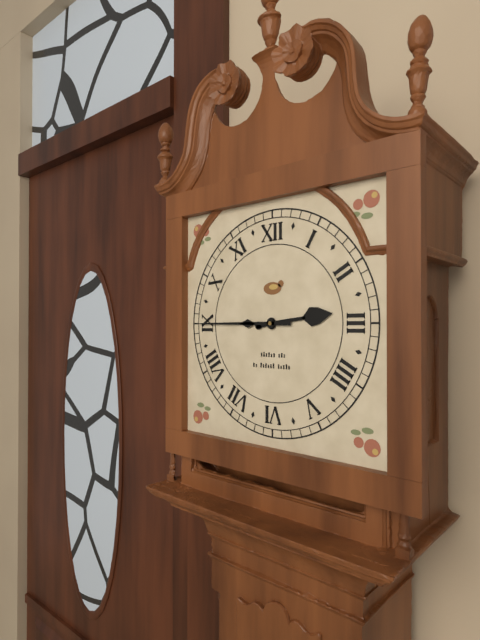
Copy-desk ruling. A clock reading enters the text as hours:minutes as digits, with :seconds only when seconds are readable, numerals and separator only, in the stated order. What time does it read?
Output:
2:45
